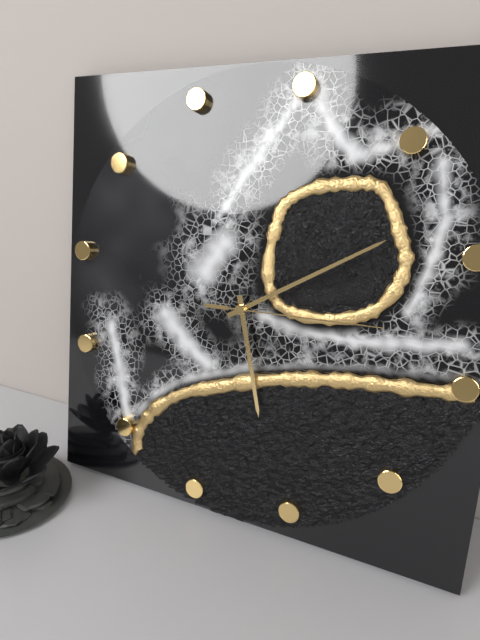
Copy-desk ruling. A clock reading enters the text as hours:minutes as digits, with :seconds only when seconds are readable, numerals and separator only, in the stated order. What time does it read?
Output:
5:08:13
